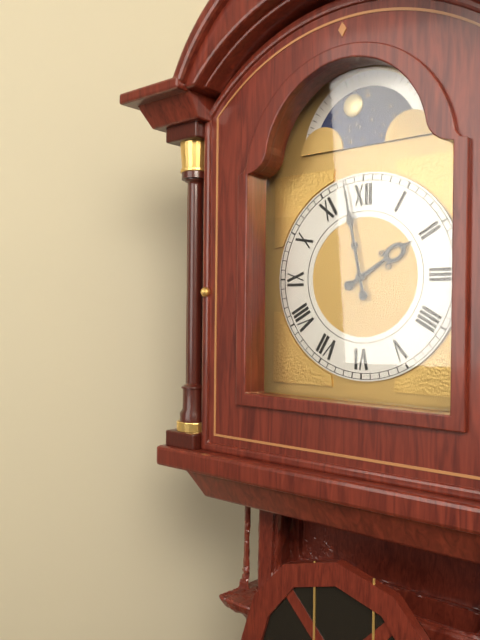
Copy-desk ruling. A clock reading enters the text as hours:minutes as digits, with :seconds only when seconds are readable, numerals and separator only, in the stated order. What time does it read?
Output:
1:58
